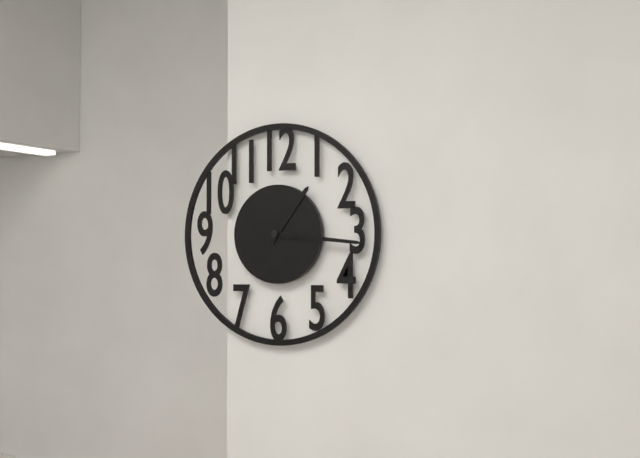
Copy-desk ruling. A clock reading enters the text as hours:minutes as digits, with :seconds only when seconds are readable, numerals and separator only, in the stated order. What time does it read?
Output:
1:16
